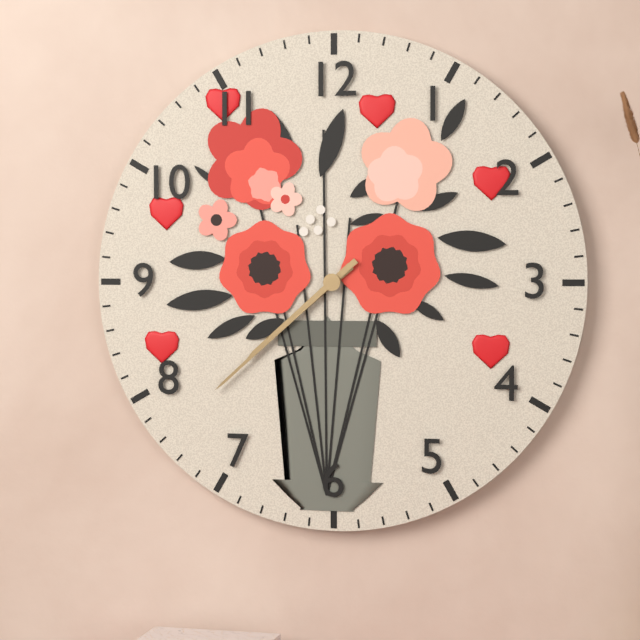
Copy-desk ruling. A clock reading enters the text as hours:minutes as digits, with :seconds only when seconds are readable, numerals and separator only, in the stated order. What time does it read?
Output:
7:38
